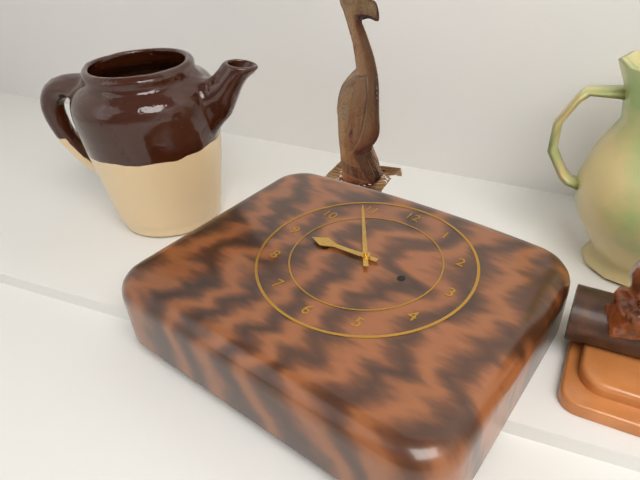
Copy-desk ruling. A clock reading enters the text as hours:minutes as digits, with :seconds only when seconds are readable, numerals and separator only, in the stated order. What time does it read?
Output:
8:54
